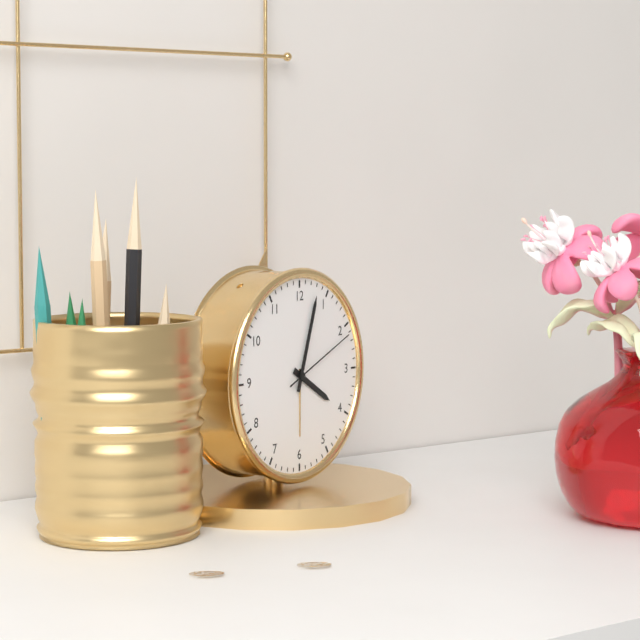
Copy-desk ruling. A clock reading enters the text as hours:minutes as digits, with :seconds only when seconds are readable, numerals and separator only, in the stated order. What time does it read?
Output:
4:03:11
